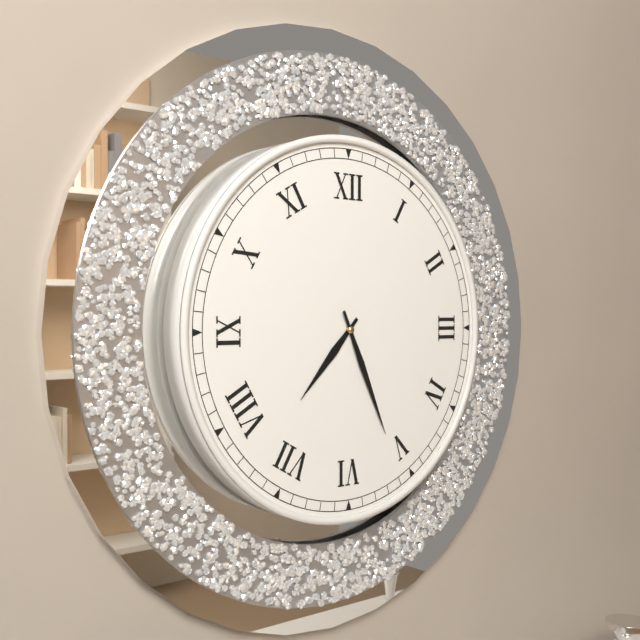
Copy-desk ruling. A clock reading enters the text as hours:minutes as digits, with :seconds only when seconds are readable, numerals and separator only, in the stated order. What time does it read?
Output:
7:26
